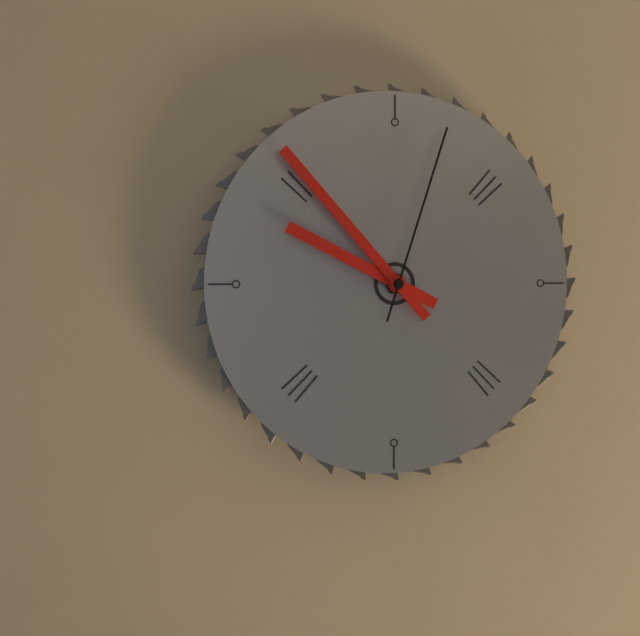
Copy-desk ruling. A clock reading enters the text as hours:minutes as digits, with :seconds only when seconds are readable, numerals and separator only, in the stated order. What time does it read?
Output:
9:53:03
